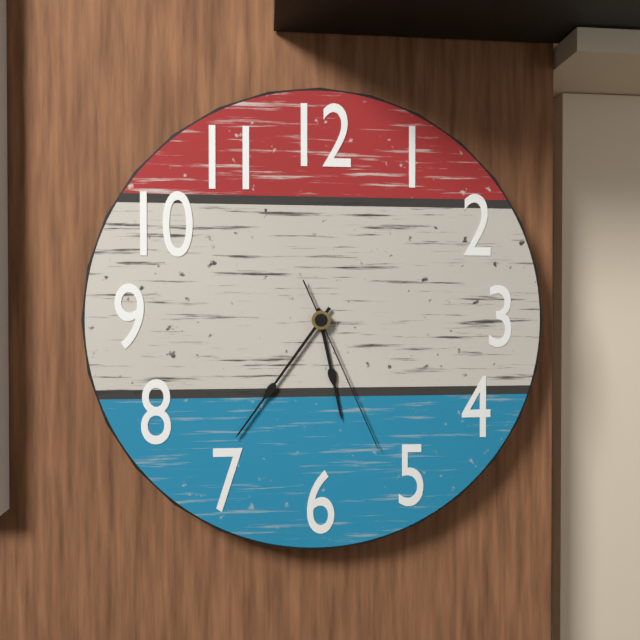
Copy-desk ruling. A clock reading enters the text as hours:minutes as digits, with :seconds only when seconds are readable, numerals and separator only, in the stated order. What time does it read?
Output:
5:36:26
